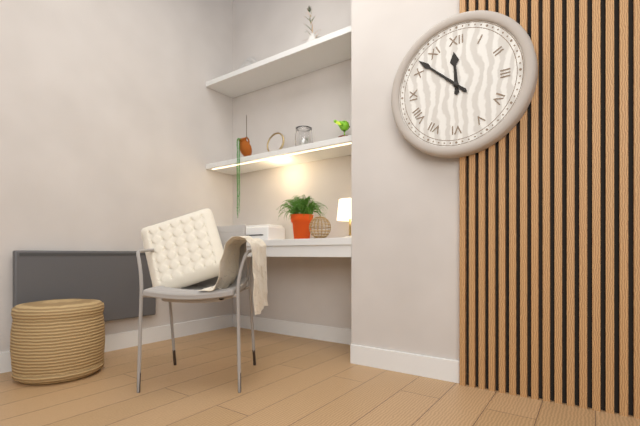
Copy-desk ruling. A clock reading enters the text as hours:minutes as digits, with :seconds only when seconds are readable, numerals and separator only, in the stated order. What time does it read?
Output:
11:52
